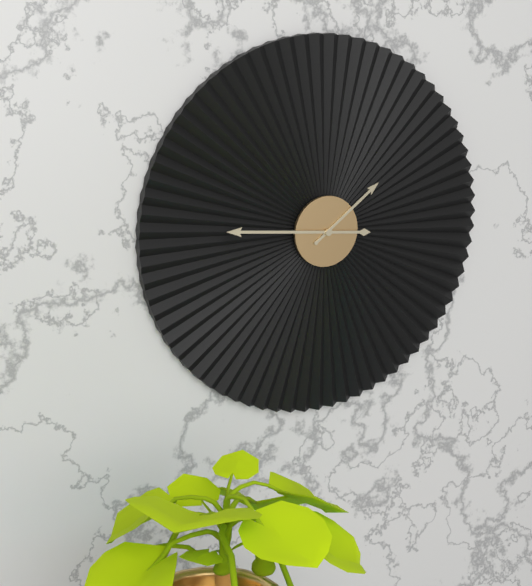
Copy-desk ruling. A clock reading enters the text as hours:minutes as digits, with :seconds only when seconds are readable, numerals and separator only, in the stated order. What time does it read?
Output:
1:46
